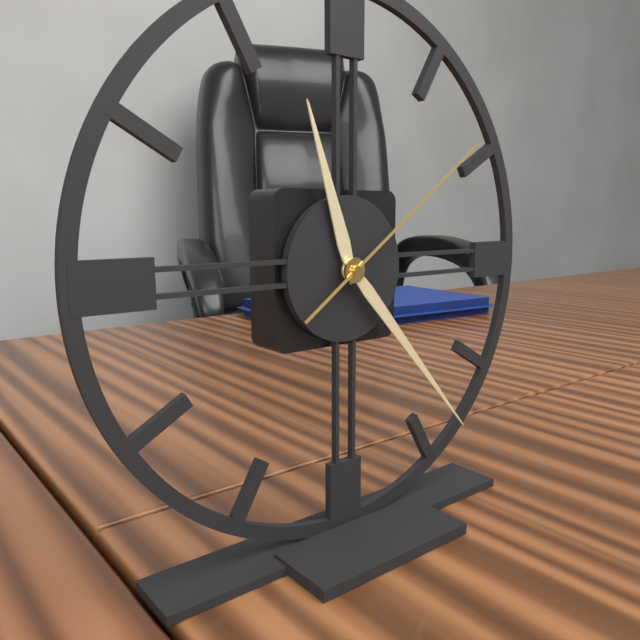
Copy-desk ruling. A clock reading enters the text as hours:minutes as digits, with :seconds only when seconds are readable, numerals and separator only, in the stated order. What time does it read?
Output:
11:23:09
